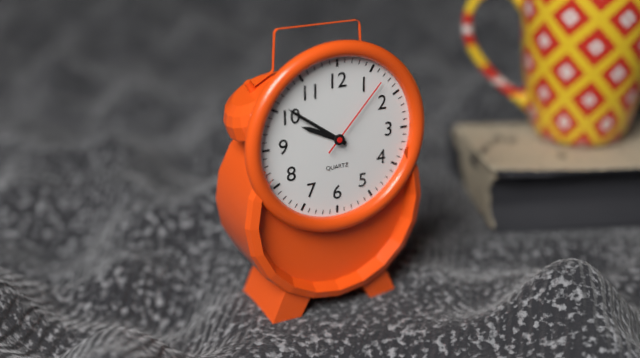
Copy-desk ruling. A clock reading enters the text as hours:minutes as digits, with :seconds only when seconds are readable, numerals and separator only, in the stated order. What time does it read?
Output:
9:51:07
